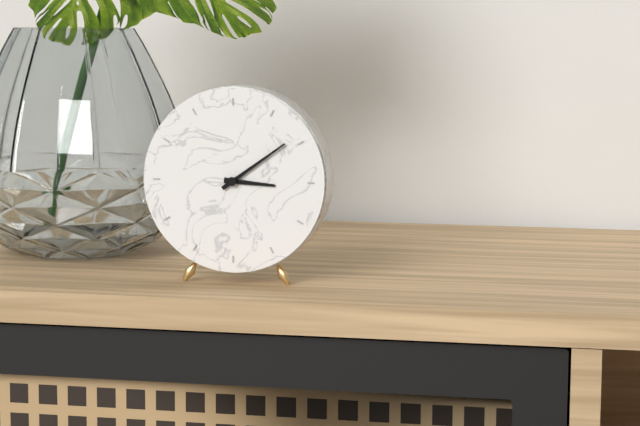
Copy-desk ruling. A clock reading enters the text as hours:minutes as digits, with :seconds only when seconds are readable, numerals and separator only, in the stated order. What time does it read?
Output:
3:09
